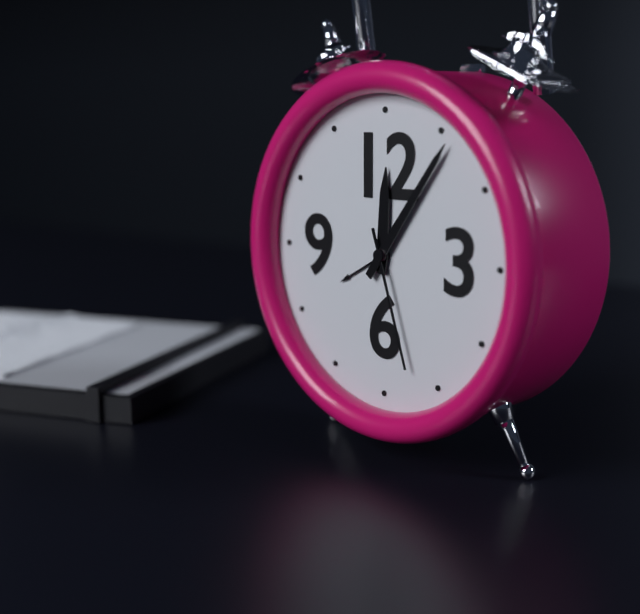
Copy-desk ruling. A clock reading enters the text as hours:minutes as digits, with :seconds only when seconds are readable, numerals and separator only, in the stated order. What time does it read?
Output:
12:06:27
